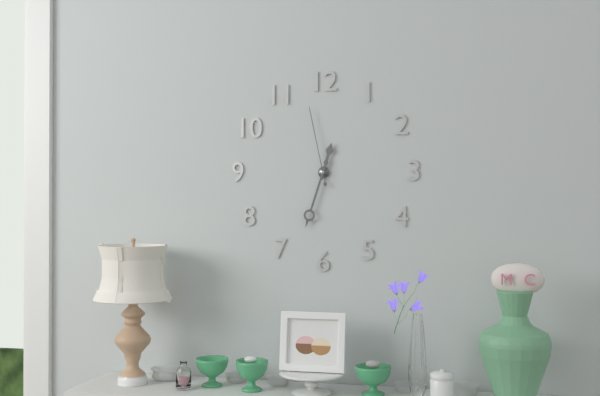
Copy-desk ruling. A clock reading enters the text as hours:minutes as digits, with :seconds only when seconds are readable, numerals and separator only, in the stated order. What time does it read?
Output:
12:33:58
